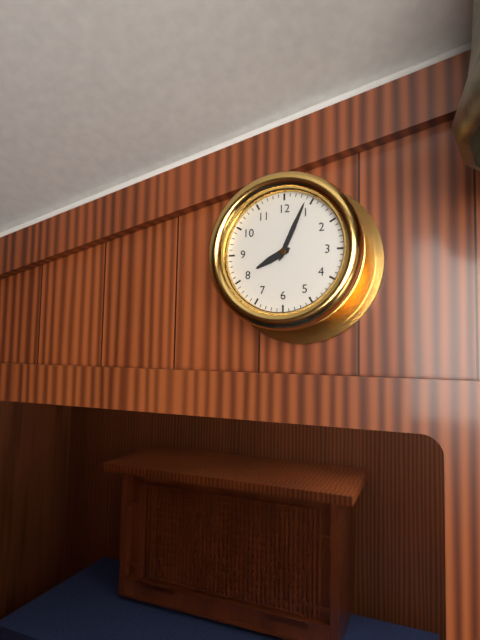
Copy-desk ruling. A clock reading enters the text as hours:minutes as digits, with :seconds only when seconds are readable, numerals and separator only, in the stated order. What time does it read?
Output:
8:04
